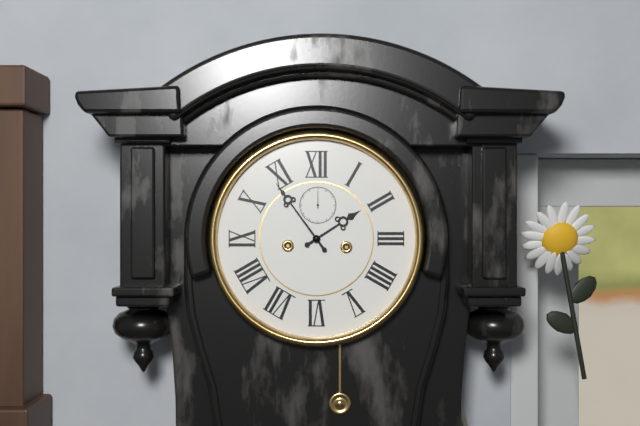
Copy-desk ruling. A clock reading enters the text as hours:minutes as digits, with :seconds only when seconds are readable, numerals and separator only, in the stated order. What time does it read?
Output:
1:54
